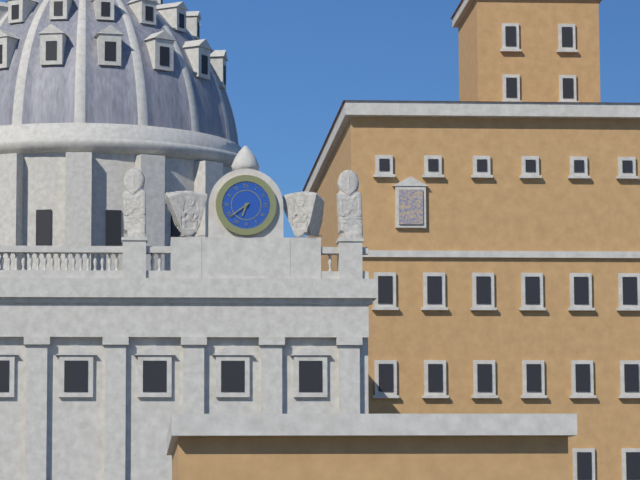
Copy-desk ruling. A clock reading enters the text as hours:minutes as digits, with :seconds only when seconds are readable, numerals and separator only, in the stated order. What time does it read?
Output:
6:39
